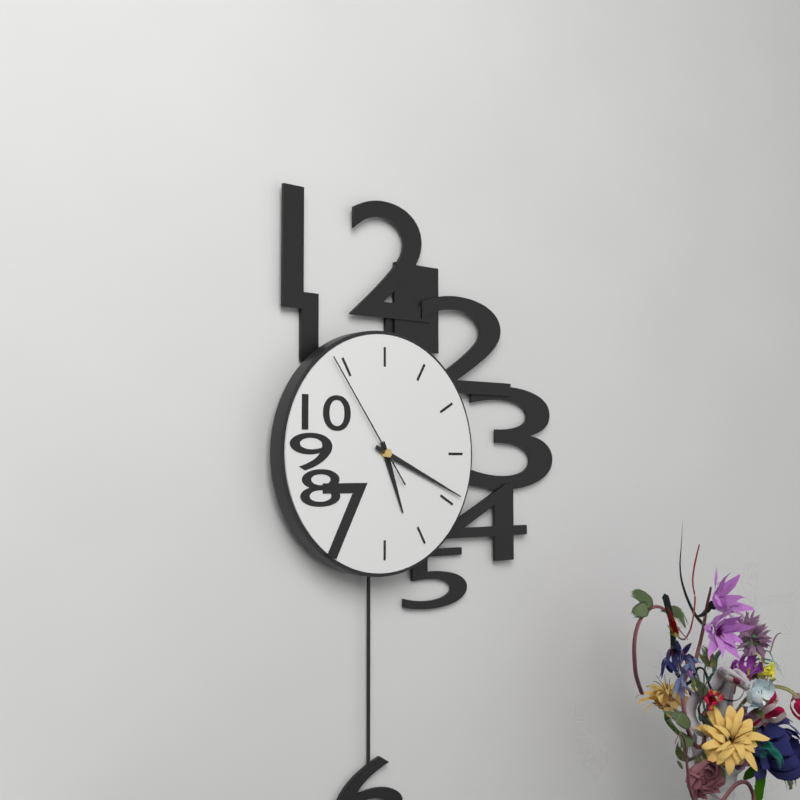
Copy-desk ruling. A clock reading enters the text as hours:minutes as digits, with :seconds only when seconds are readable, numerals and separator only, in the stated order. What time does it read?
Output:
5:19:54
